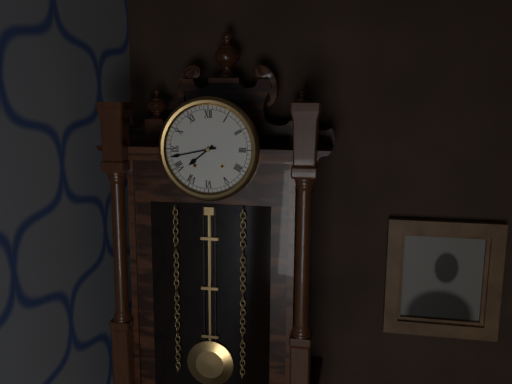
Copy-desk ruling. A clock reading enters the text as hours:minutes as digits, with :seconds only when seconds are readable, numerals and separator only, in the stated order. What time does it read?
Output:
7:43
